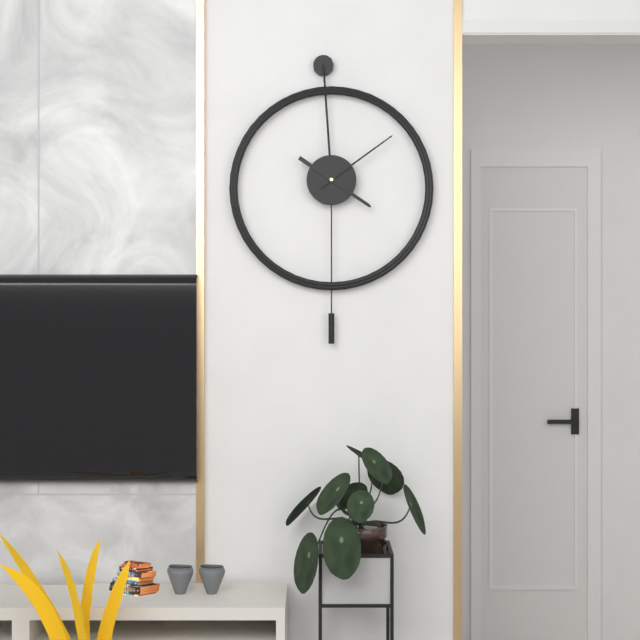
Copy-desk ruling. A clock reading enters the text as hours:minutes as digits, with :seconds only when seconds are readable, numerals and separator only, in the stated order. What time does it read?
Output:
4:09
